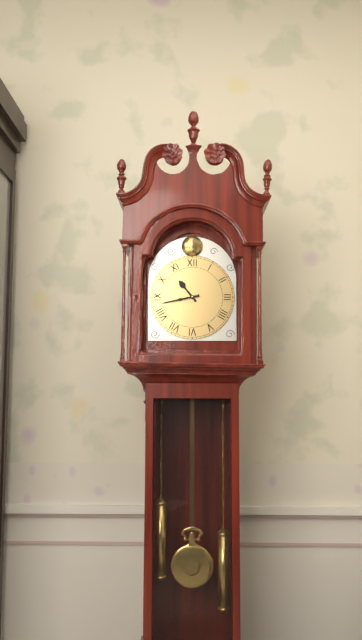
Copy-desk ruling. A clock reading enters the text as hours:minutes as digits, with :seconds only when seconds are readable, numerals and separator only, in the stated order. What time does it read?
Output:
10:43
